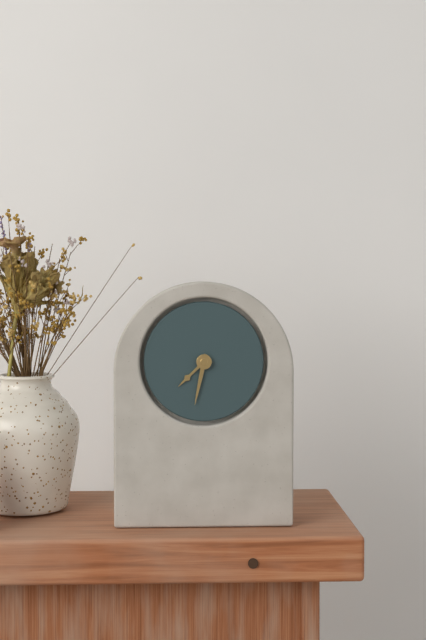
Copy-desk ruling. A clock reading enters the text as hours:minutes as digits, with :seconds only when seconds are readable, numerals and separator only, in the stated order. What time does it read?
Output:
7:32
